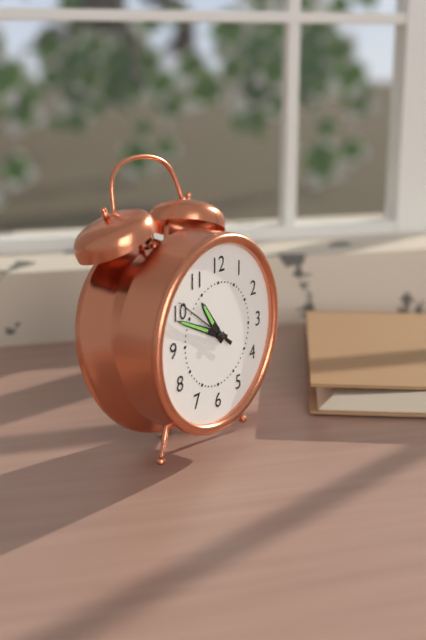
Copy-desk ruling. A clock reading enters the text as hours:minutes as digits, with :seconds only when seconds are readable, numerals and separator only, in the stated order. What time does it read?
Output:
10:49:51
